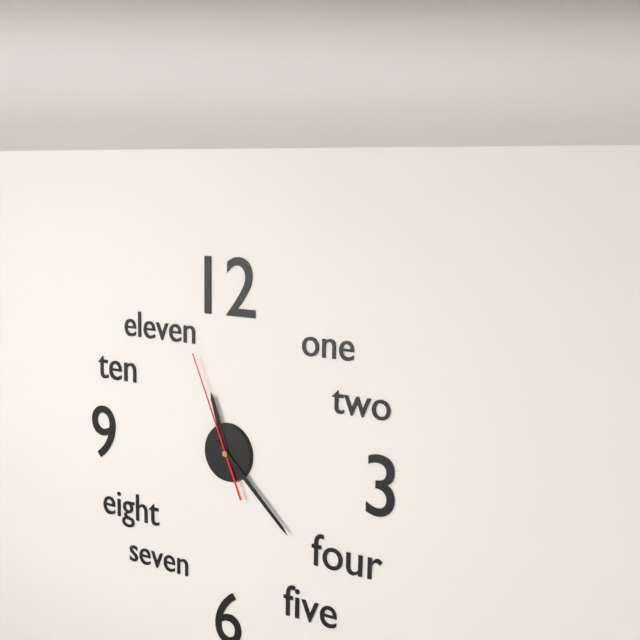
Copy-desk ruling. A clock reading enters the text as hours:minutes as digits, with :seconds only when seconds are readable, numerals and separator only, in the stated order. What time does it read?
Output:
11:22:56
